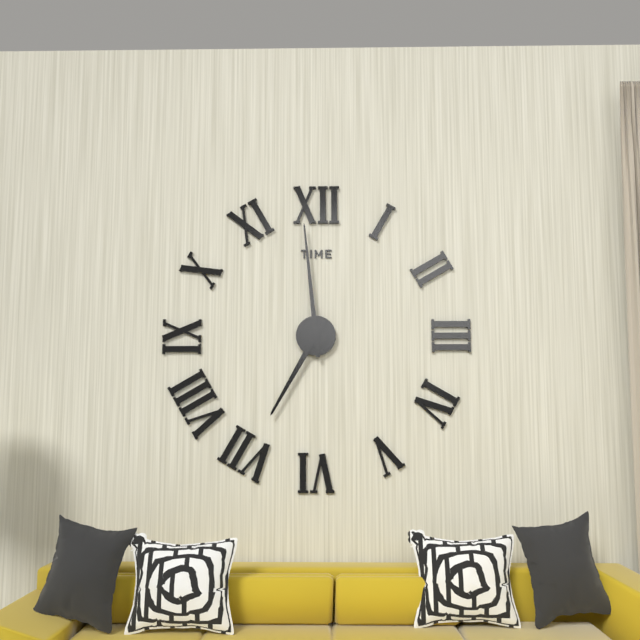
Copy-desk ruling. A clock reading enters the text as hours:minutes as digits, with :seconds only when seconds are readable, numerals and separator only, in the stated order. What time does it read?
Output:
6:59
